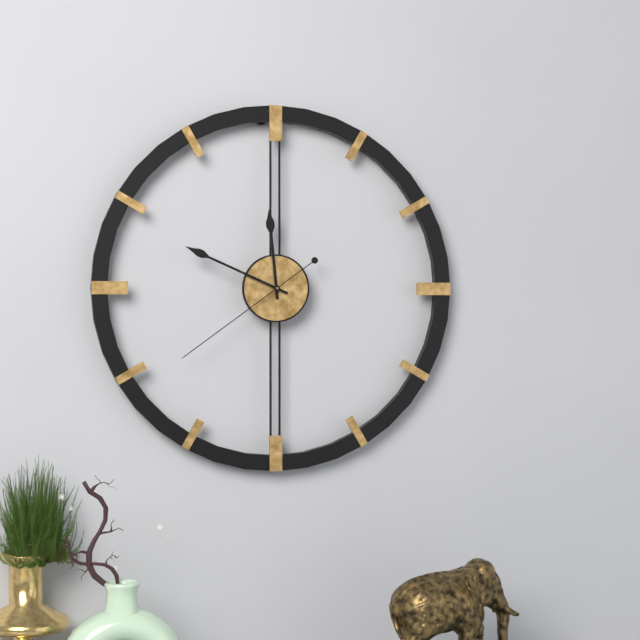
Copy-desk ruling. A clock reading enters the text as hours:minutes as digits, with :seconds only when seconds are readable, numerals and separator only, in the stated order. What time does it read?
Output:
11:49:39
